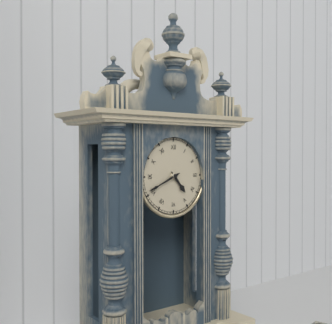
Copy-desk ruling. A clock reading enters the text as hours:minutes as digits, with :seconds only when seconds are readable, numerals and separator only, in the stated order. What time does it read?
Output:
4:41
